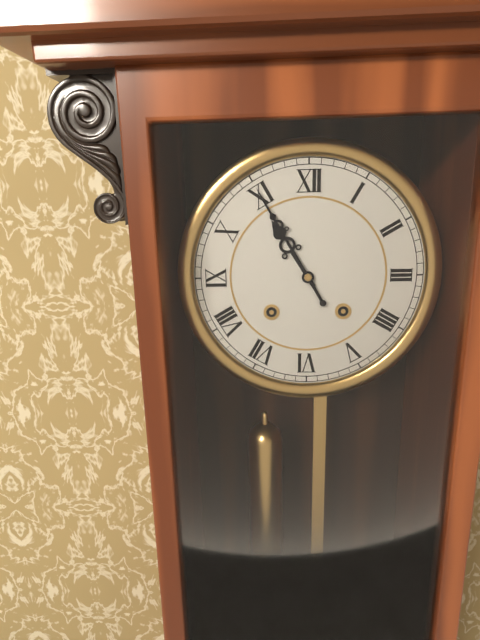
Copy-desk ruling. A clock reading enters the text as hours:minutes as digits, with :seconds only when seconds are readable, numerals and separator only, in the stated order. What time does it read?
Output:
10:55
